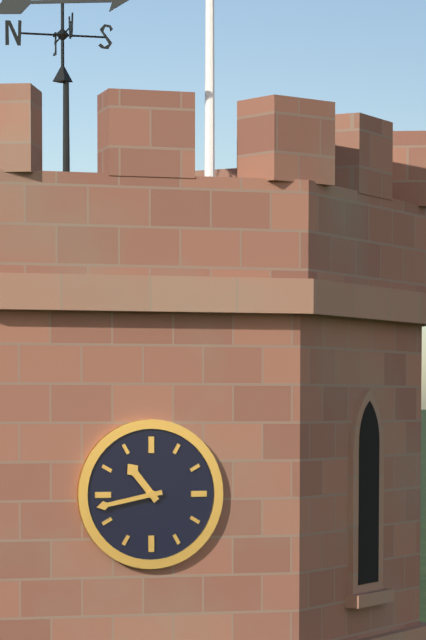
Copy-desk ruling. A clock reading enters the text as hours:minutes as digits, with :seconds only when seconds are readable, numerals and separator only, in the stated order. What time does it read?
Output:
10:43
